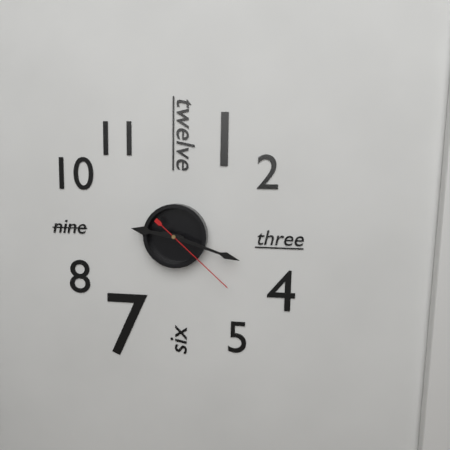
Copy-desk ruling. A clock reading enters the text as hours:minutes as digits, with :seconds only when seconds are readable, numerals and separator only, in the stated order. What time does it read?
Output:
9:18:22
